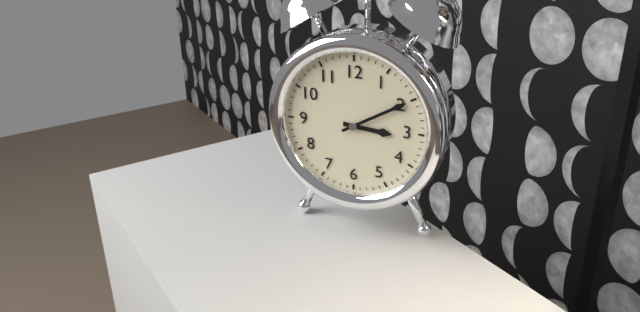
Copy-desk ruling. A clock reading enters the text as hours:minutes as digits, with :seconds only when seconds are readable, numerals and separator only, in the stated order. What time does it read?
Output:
3:10
